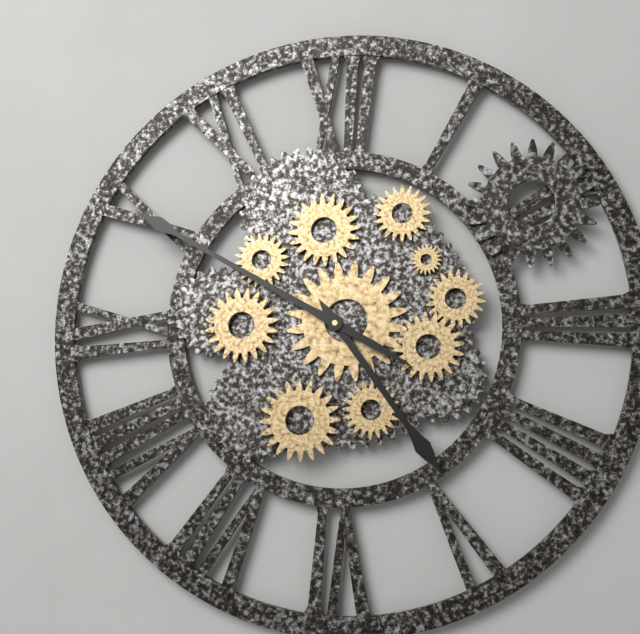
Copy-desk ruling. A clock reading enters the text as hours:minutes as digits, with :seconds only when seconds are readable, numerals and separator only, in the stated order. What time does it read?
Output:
4:50
